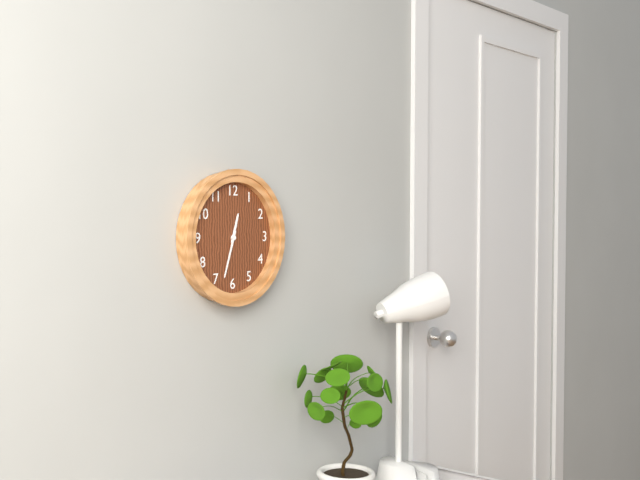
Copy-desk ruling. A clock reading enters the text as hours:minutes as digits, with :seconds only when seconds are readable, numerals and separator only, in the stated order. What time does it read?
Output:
12:33
